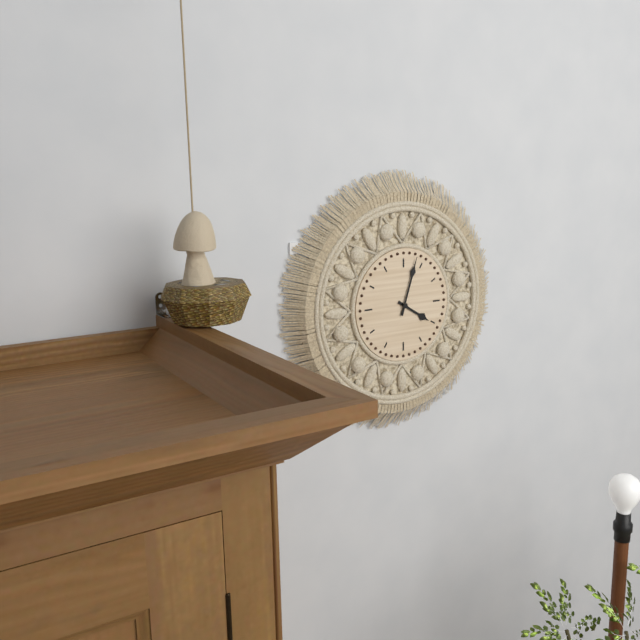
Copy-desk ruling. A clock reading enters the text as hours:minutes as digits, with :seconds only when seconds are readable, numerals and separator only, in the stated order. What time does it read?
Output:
4:03
